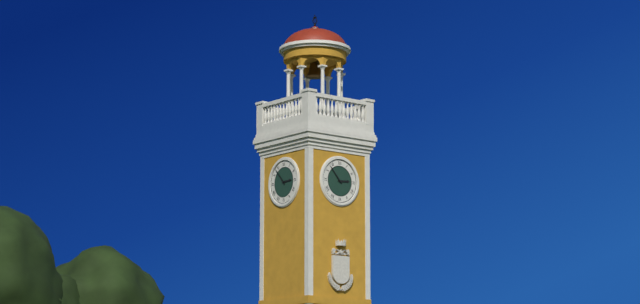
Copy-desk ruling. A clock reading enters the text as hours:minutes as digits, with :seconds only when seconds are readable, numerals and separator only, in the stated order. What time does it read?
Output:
2:53
